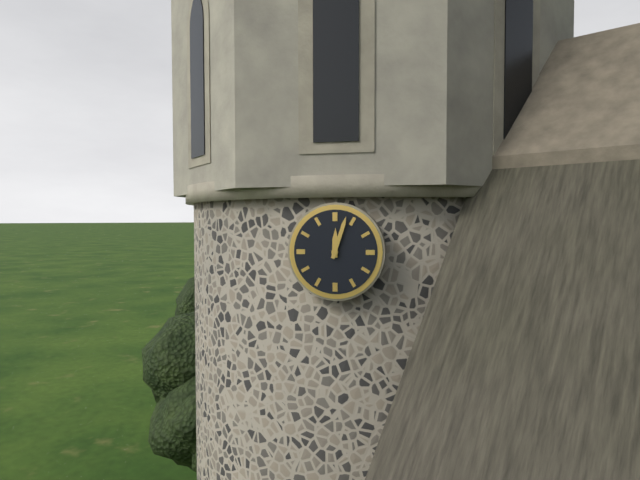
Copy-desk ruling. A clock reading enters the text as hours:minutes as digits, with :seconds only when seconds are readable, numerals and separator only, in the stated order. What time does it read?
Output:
12:03
